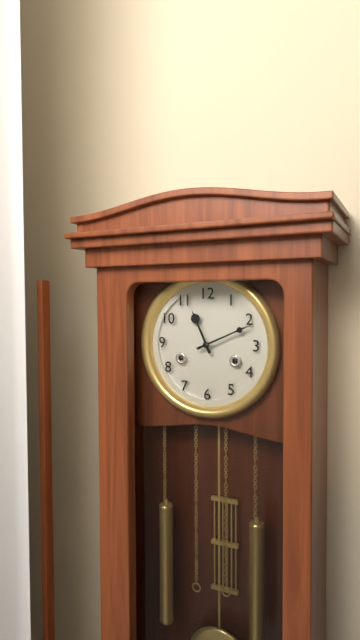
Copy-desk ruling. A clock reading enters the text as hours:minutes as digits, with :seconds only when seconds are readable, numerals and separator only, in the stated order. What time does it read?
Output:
11:11
